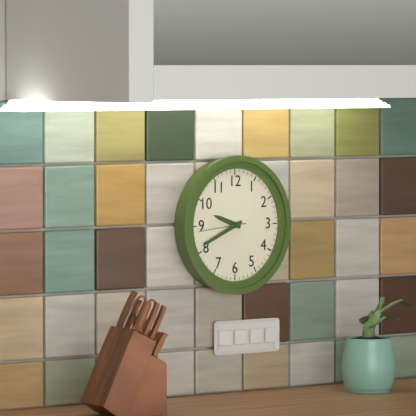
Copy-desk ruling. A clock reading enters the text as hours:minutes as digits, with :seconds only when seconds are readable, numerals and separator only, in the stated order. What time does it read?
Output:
9:41
